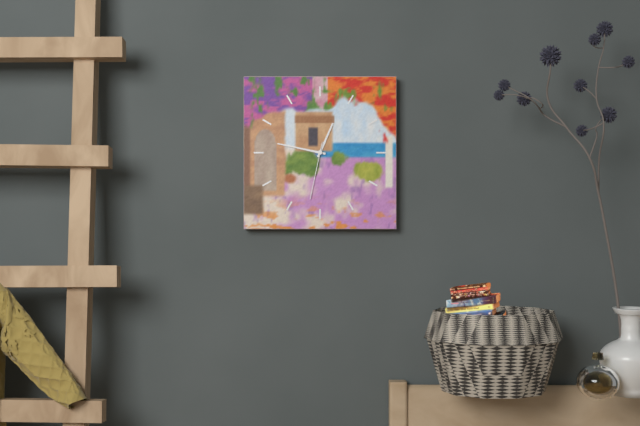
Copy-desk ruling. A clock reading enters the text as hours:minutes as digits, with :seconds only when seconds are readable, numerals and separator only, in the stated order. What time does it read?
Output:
12:47:32
